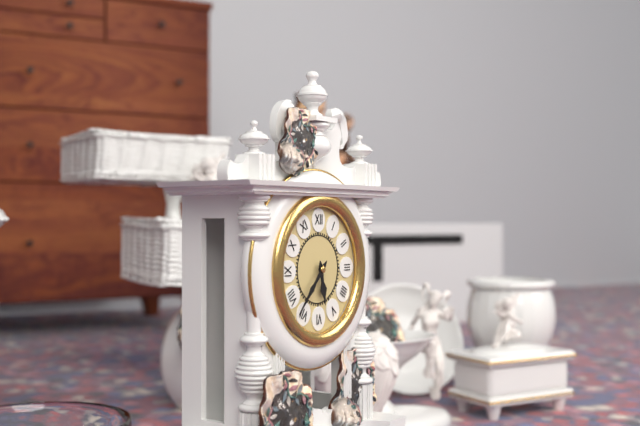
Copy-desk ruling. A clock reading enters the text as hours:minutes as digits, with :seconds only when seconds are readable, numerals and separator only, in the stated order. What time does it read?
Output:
5:37
